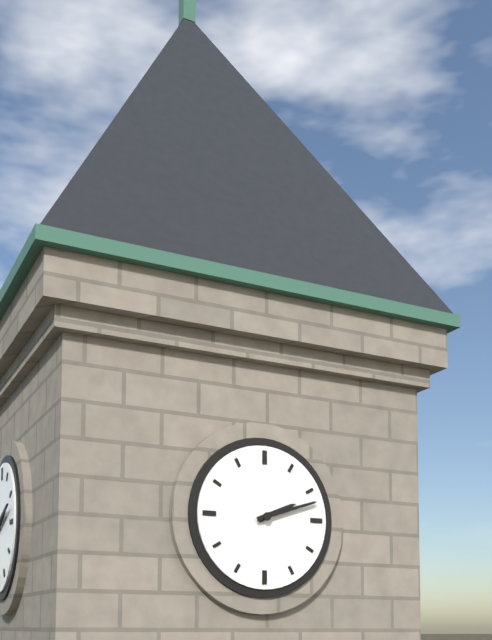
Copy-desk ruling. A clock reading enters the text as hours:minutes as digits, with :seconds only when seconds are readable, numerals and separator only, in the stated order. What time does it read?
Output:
2:12
